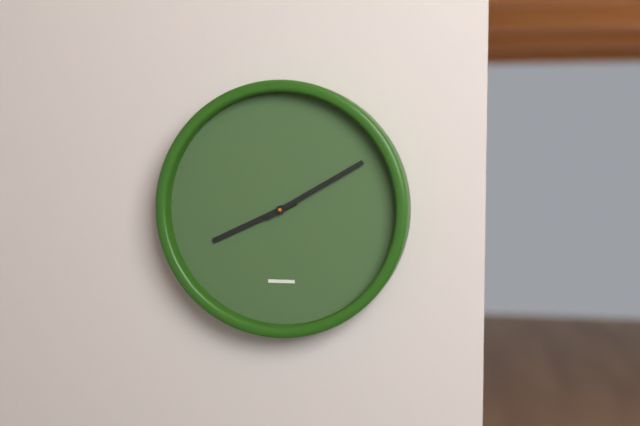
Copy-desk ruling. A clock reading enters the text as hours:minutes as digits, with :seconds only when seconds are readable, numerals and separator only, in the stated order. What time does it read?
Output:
8:10
